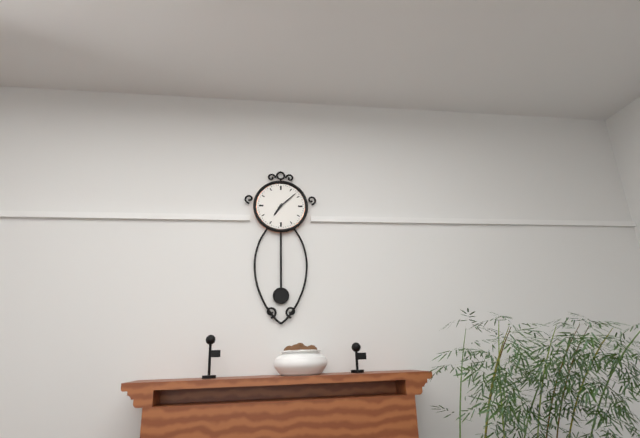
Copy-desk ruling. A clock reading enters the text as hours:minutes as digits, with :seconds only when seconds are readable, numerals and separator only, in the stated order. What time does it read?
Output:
7:08
